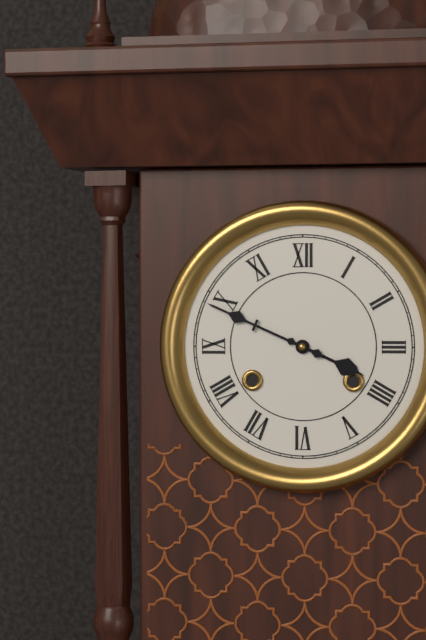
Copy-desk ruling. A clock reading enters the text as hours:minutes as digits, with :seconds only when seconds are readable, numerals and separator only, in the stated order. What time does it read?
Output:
3:49
